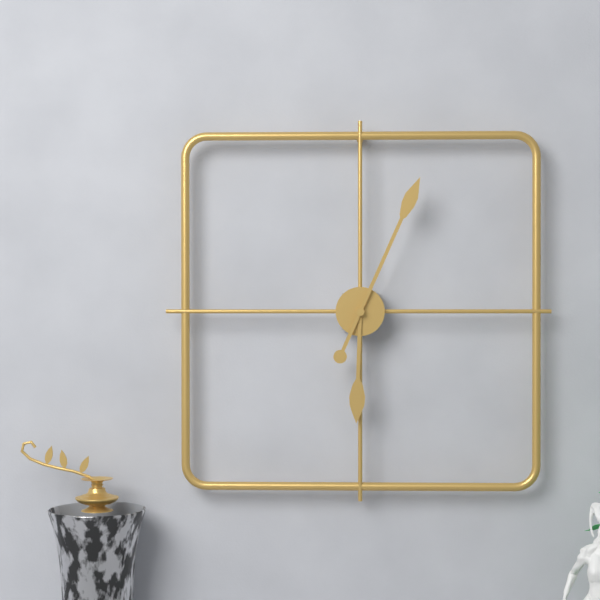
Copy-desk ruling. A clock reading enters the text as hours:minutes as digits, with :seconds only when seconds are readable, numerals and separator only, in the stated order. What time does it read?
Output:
6:04
